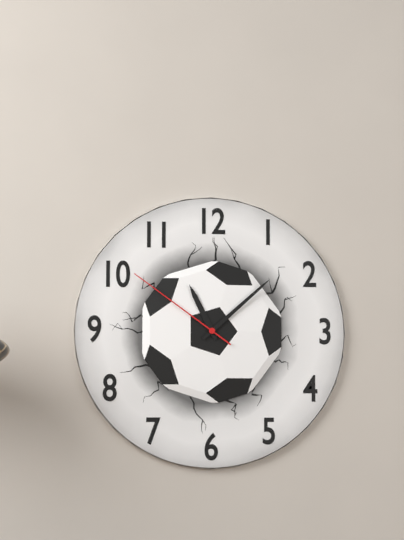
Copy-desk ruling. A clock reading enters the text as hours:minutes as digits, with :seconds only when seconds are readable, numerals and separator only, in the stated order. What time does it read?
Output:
11:08:51
